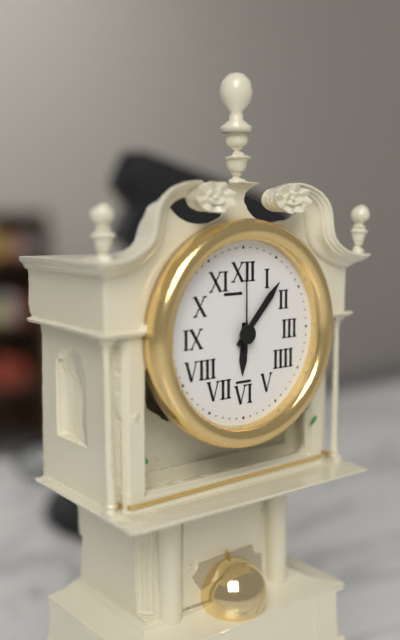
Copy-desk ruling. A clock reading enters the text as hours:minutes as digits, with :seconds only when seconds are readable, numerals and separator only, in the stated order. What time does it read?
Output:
6:07:00
